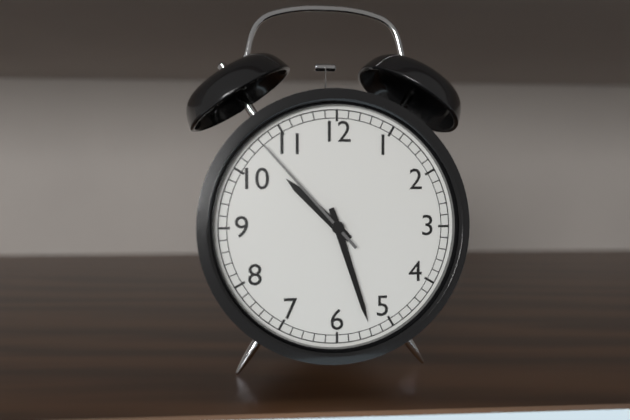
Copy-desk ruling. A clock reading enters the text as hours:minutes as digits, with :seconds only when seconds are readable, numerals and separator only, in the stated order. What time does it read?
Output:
10:27:53
